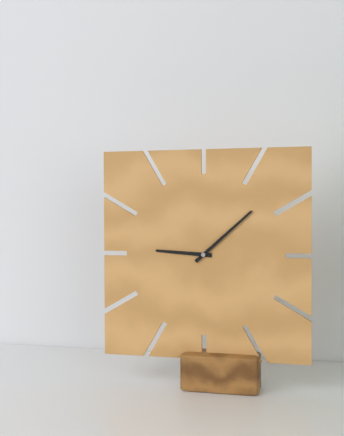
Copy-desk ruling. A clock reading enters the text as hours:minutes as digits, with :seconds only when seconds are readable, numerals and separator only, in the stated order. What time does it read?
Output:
9:08
